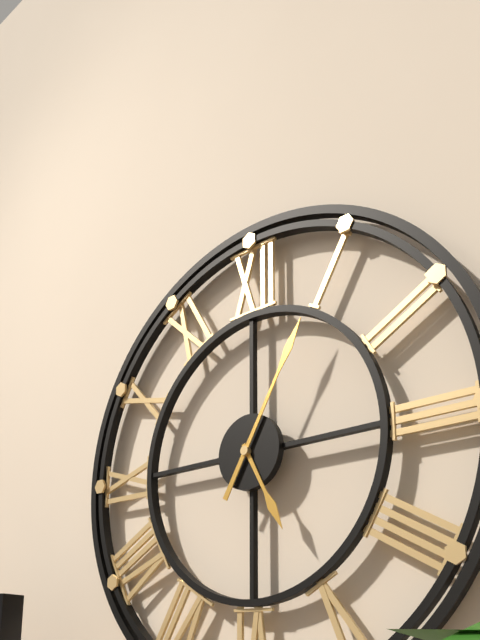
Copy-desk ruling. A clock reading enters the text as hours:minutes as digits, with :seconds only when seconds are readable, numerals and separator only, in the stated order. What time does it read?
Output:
5:05
